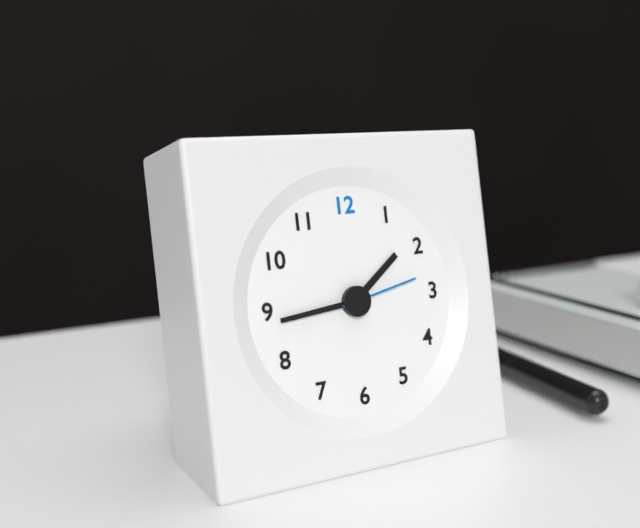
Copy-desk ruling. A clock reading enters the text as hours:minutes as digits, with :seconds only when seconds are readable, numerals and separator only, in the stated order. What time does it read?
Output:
1:44:13
